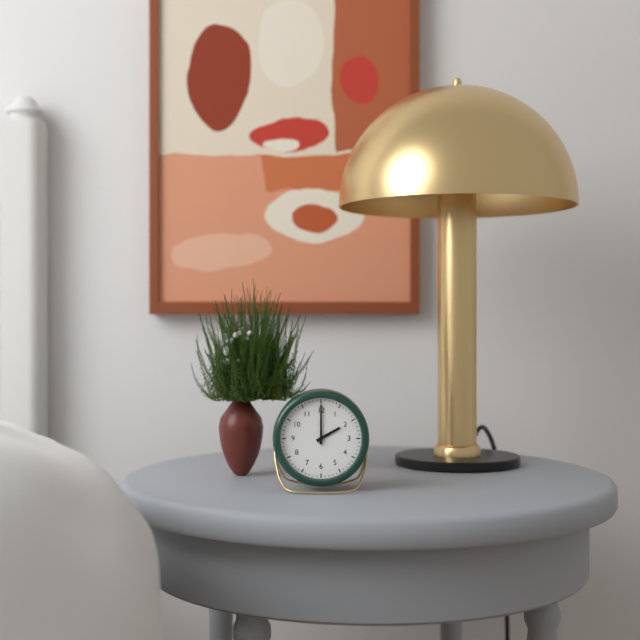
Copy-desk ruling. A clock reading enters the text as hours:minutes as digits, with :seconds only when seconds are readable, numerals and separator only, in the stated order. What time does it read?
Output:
2:00
